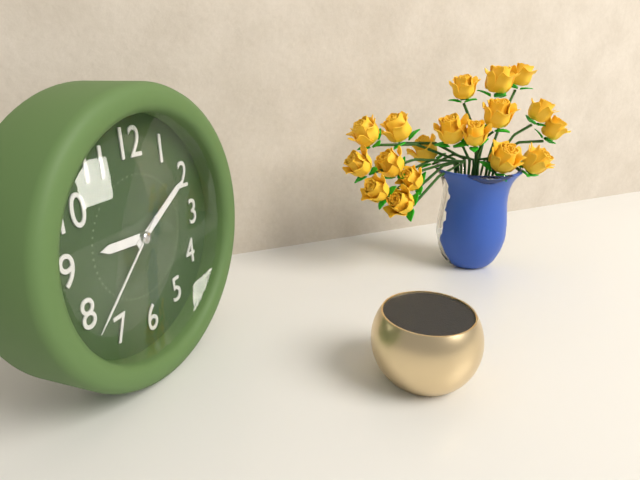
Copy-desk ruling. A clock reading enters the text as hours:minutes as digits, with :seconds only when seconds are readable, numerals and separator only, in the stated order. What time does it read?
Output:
9:10:38
